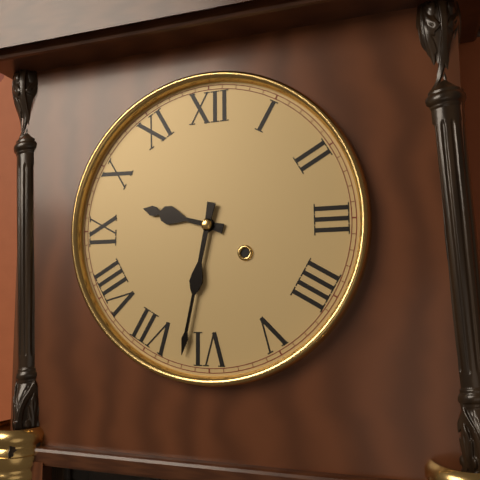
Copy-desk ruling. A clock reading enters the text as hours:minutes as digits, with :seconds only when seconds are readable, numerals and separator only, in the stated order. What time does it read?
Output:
9:32
